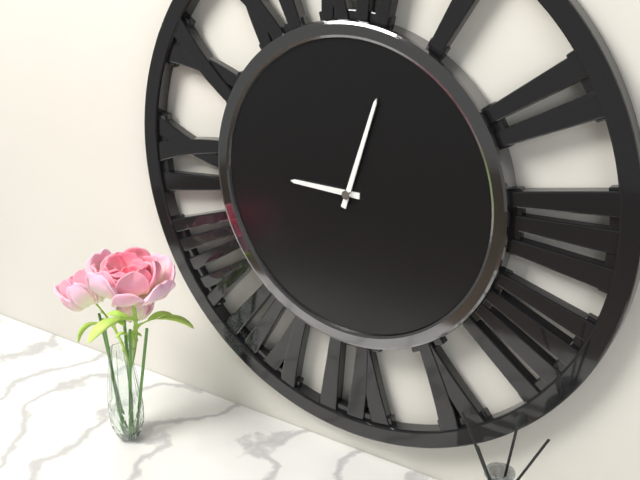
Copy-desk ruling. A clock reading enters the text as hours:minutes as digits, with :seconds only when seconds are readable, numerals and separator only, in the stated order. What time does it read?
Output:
9:03
